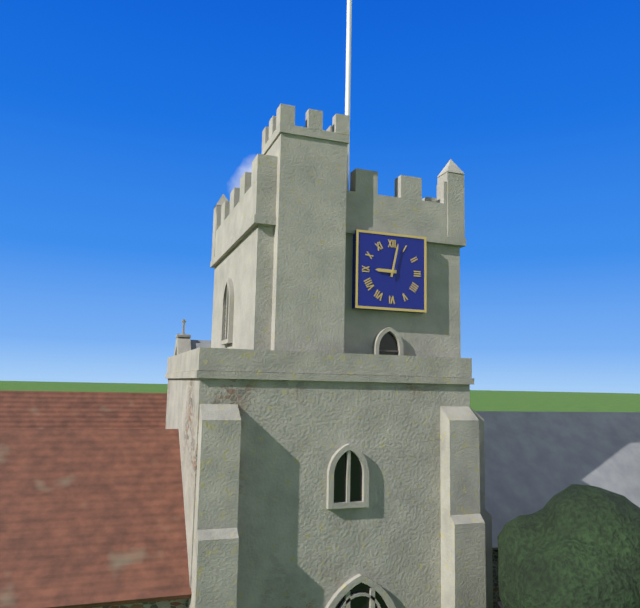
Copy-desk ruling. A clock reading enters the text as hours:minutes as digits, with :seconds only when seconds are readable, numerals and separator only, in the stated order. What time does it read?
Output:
9:02
